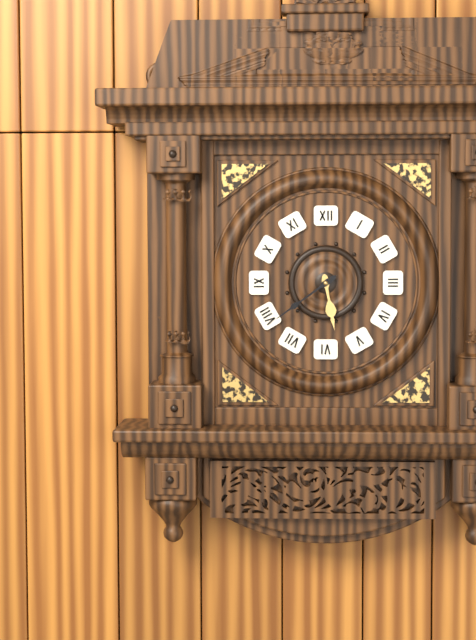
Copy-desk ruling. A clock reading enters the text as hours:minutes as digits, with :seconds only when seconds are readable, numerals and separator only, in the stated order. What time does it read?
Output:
5:39
